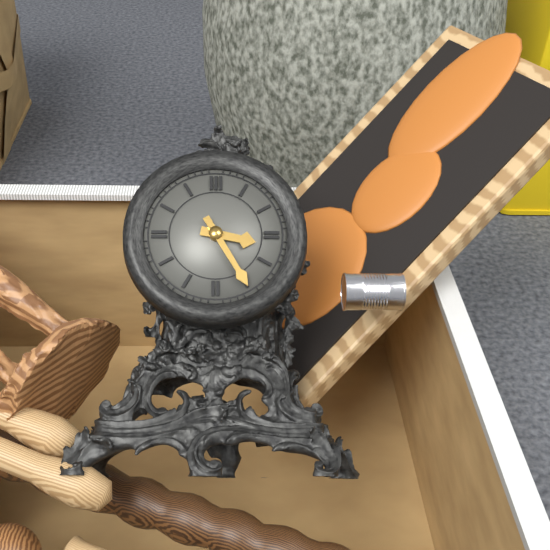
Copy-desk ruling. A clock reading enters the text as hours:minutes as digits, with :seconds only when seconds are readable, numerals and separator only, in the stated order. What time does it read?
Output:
3:25
